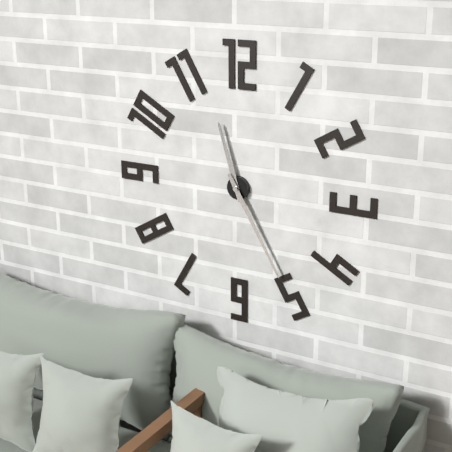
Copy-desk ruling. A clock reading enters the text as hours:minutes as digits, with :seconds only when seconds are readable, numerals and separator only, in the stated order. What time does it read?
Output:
11:25
